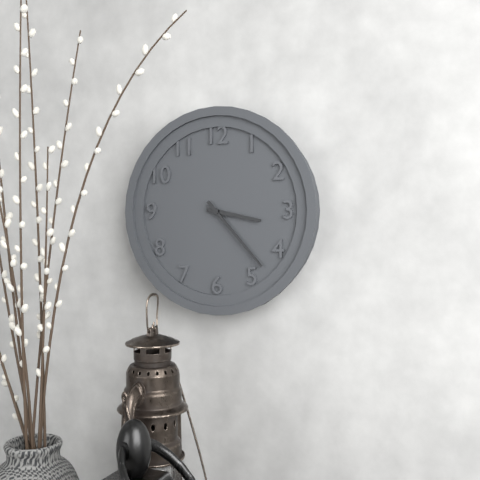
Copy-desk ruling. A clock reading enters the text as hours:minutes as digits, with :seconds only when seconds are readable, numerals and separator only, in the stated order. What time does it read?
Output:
3:23
